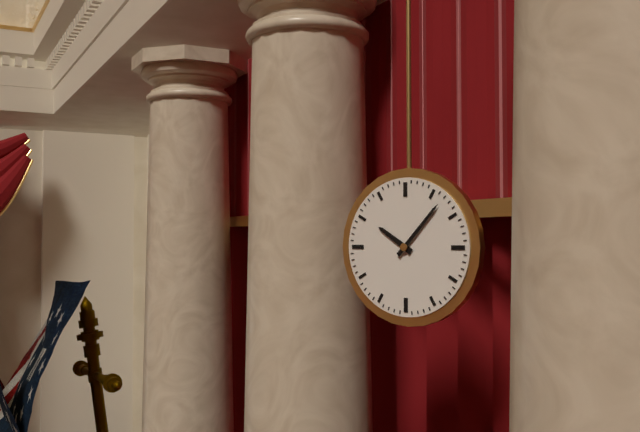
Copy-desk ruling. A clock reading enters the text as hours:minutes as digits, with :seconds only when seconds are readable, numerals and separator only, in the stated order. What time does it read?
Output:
10:07
